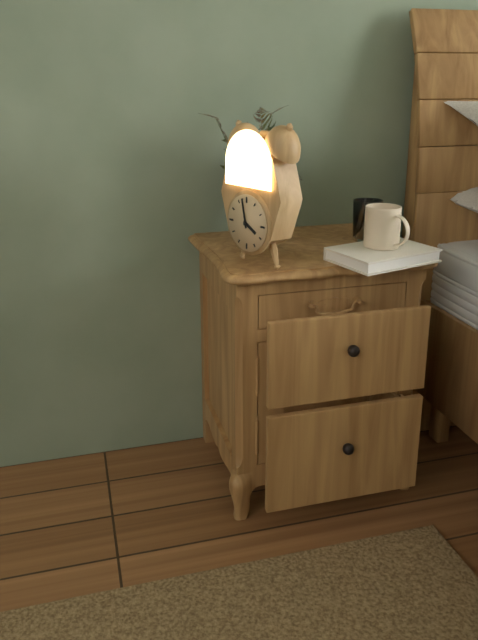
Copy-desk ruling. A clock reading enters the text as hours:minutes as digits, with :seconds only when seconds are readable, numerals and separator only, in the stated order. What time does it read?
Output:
3:58
